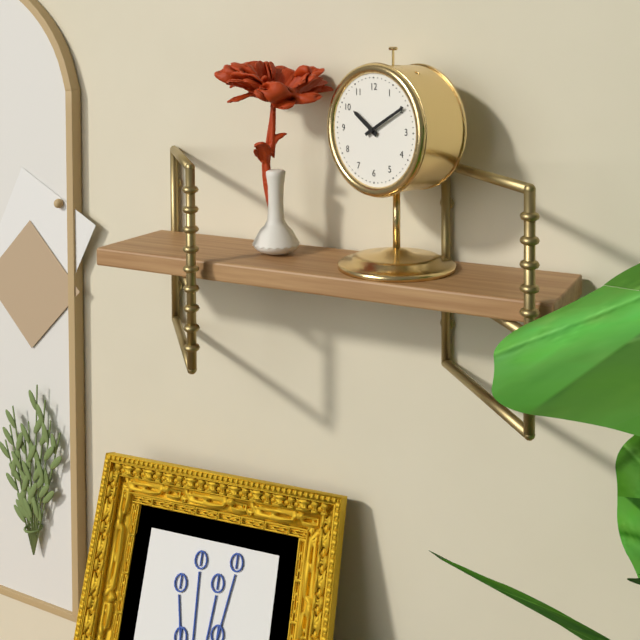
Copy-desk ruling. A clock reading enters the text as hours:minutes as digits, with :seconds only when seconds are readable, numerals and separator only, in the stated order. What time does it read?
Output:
10:10
